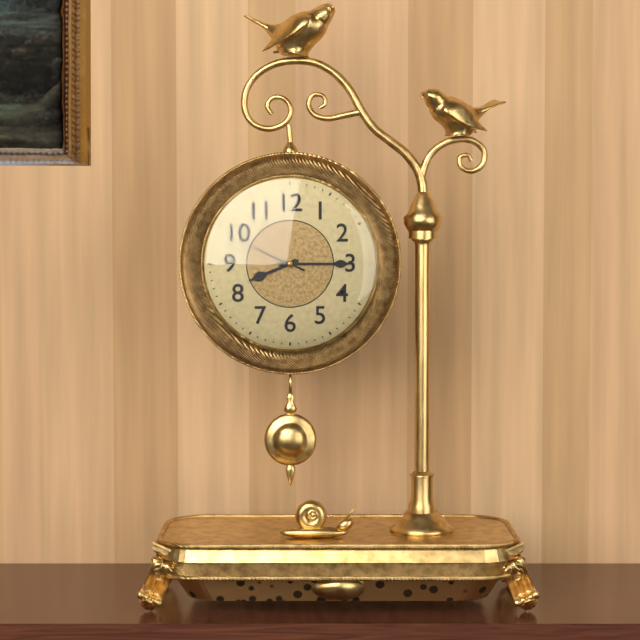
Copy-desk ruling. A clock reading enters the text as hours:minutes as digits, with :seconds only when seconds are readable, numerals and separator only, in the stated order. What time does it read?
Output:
8:15:49
